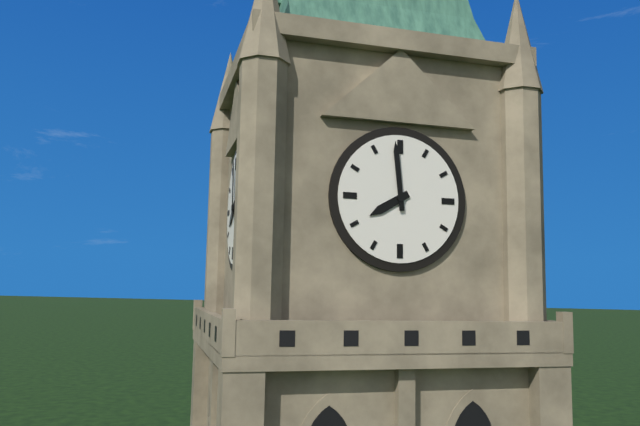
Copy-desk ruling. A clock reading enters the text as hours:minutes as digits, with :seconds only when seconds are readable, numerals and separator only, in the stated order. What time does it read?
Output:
7:59
